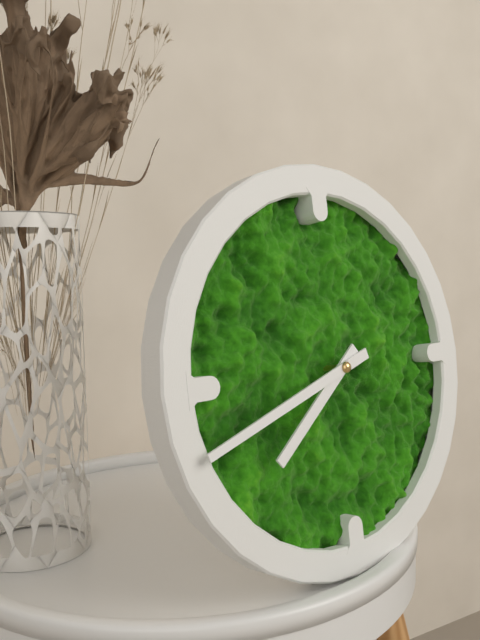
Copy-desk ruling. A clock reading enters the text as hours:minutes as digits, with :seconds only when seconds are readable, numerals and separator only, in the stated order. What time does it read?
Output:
7:42
